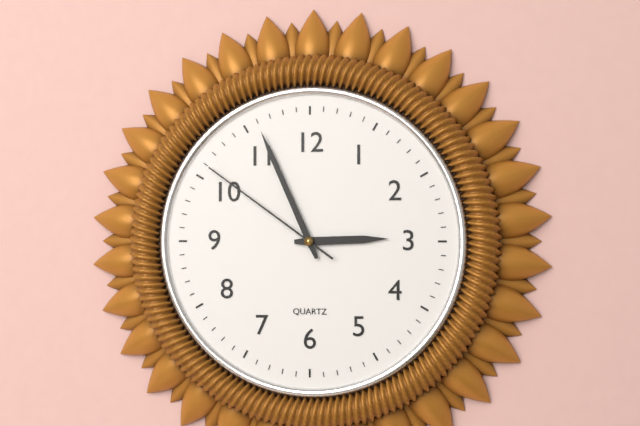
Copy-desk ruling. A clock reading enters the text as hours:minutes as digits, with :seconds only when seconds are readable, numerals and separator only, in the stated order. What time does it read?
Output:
2:56:51
